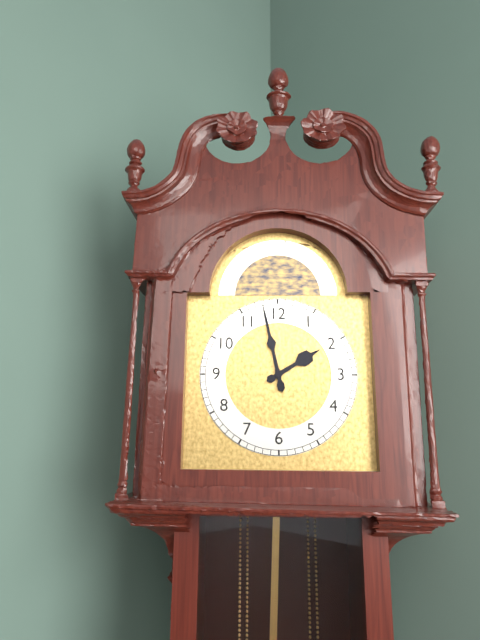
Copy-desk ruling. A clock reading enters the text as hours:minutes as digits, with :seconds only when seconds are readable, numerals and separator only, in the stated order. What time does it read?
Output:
1:58
